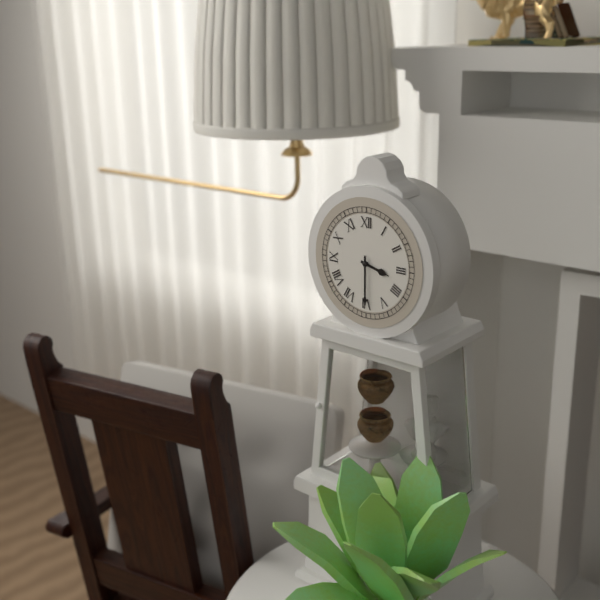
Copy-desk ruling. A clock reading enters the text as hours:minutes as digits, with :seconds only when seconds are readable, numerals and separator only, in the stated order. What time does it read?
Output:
3:30
